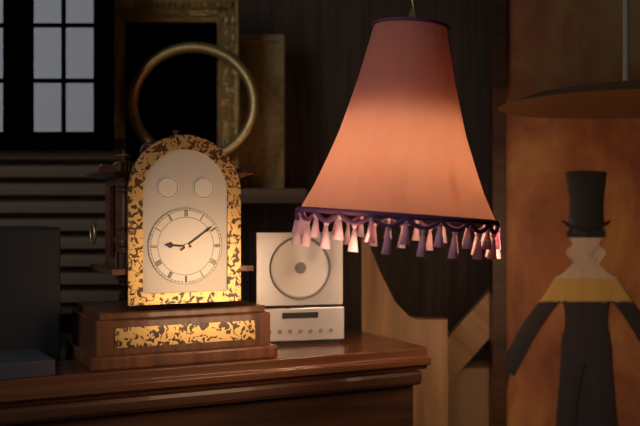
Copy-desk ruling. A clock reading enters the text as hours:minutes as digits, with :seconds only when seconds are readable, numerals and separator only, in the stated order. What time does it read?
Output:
9:09
